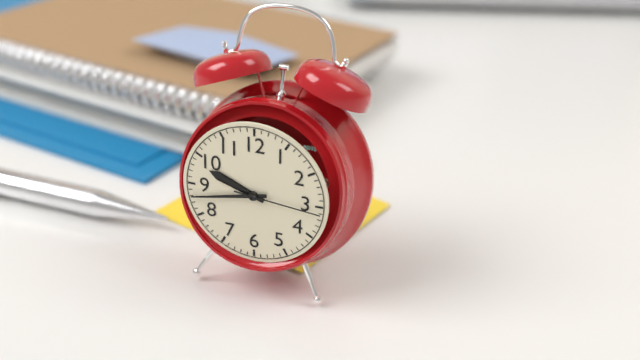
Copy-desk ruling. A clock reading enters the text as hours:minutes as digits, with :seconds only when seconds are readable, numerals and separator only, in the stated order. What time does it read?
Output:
9:43:16
